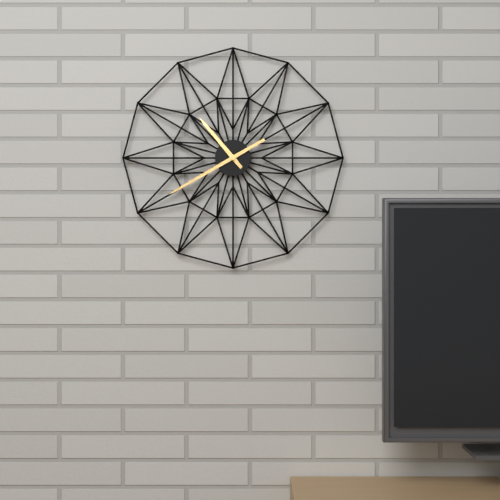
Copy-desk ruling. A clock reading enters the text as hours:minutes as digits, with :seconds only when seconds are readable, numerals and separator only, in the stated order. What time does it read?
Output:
10:40
